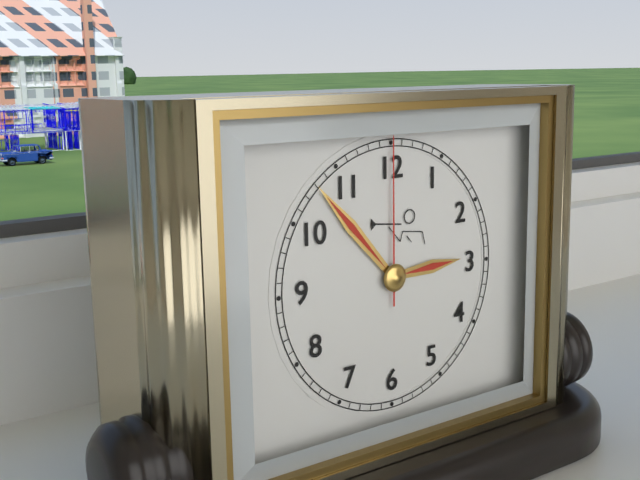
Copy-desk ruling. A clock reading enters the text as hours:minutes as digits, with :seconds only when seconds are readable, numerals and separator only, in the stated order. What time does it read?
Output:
2:53:00
